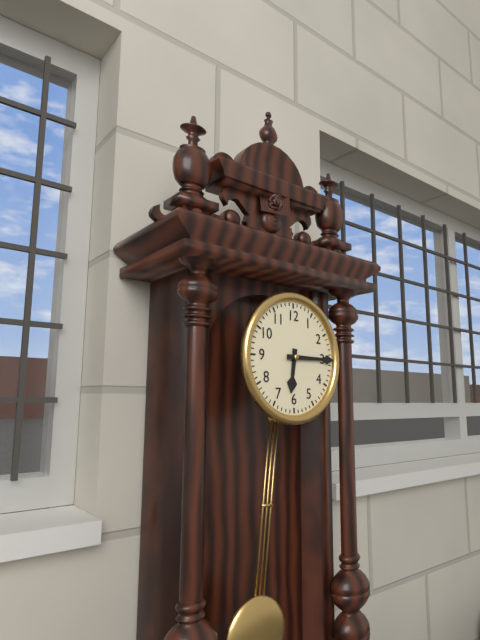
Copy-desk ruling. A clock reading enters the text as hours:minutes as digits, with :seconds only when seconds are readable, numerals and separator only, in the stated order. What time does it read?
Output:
6:15
